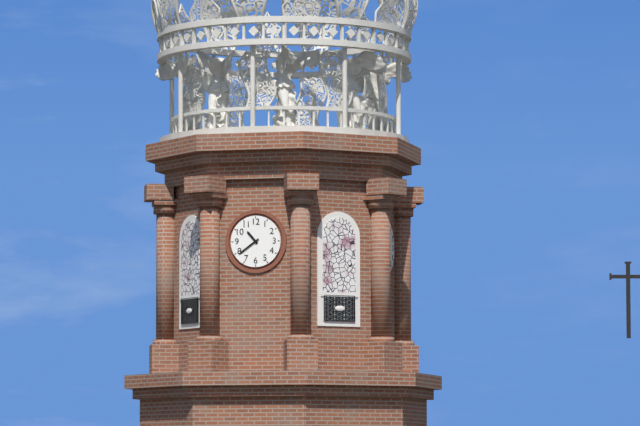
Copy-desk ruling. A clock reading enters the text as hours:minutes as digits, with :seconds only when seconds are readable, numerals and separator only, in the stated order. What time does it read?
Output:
10:39
